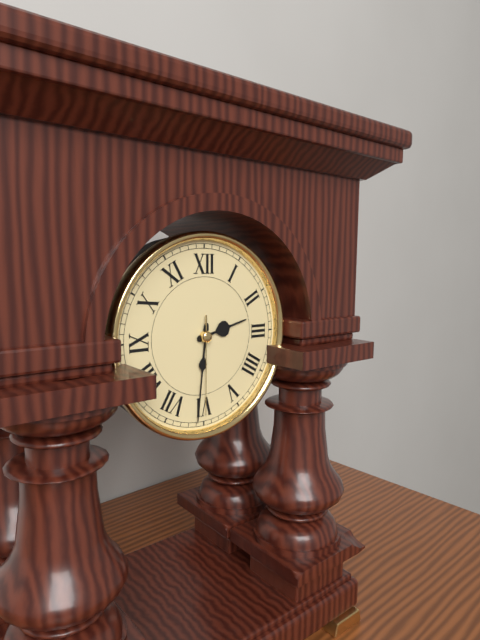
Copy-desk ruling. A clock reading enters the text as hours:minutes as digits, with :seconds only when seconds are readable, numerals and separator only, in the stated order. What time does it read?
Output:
2:31:30
